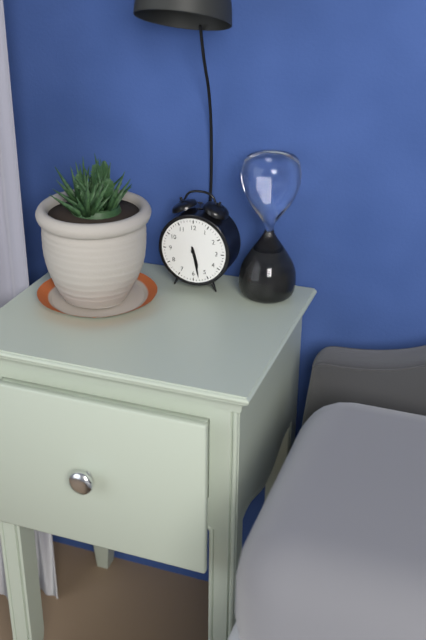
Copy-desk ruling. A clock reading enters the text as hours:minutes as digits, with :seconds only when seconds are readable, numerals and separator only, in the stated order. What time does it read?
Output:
5:28
